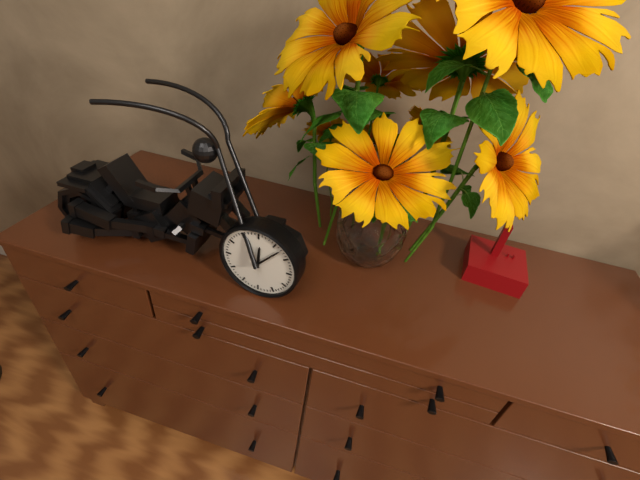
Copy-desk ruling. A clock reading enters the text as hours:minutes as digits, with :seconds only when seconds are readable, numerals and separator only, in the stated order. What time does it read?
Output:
12:07
